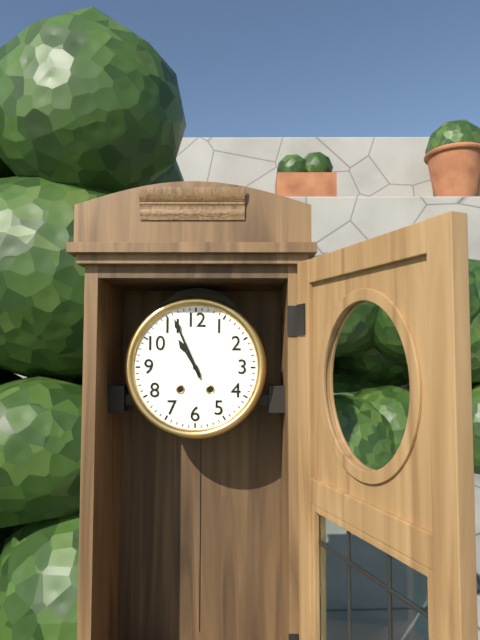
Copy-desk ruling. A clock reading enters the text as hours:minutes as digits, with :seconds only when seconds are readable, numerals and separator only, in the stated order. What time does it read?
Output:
10:56
